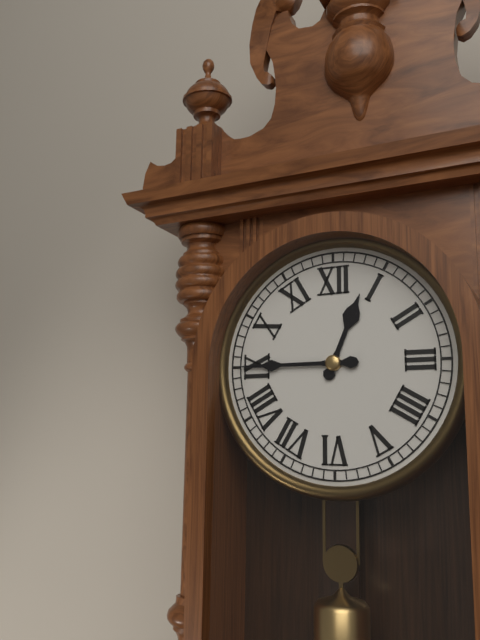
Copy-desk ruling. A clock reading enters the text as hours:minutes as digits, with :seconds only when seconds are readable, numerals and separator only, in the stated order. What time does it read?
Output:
12:45
